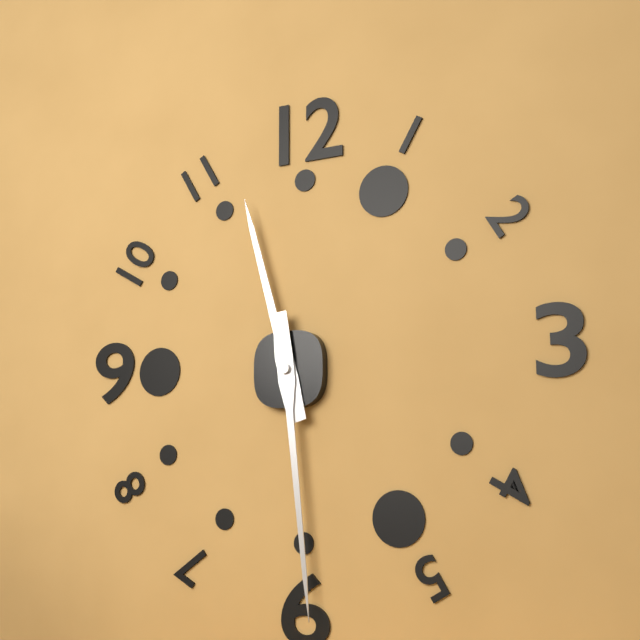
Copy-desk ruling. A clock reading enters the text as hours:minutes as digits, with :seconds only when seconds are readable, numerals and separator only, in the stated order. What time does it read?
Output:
11:29
